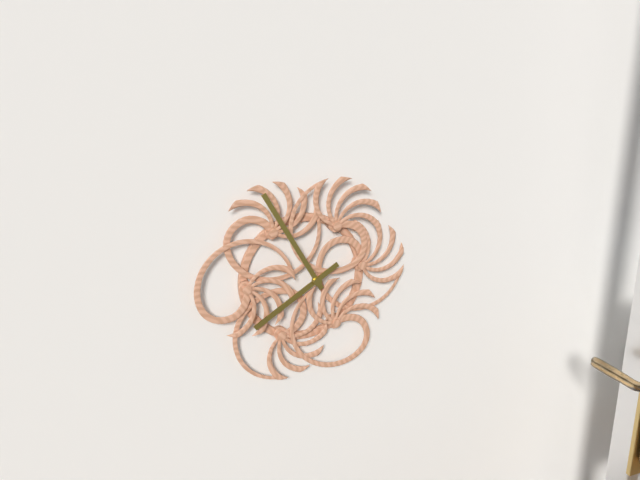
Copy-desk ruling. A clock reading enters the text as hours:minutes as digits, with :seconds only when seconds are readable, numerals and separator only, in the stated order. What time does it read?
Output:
7:55
